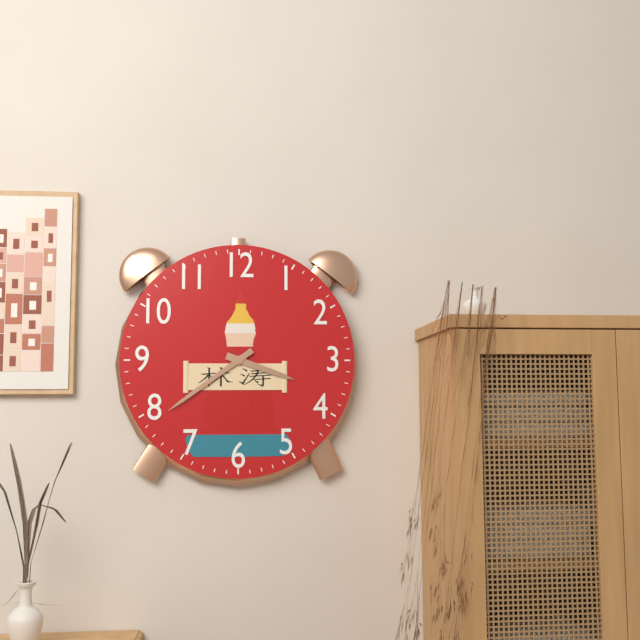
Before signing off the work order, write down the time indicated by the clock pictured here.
3:39
